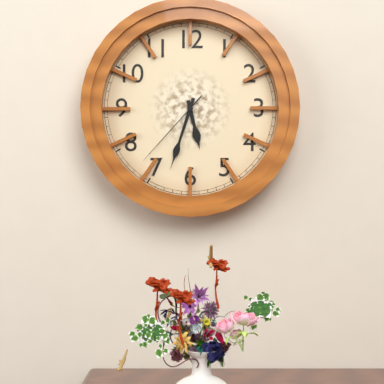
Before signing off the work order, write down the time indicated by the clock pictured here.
5:33:37
